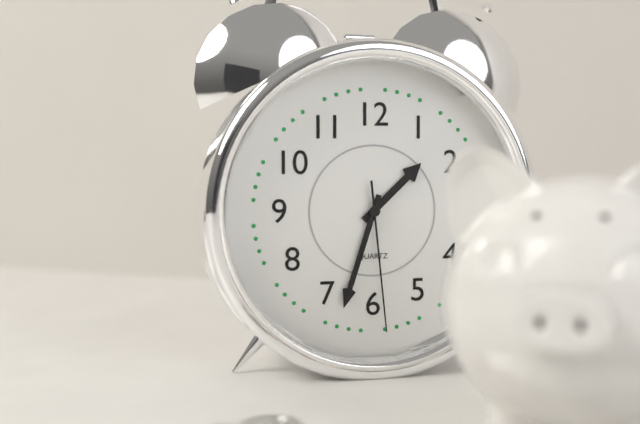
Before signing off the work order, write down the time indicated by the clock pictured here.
1:33:29
